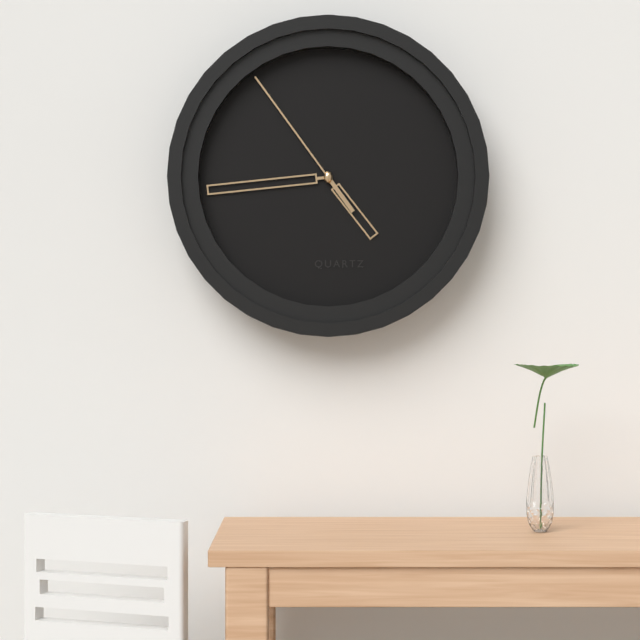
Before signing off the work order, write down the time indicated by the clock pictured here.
4:44:54
